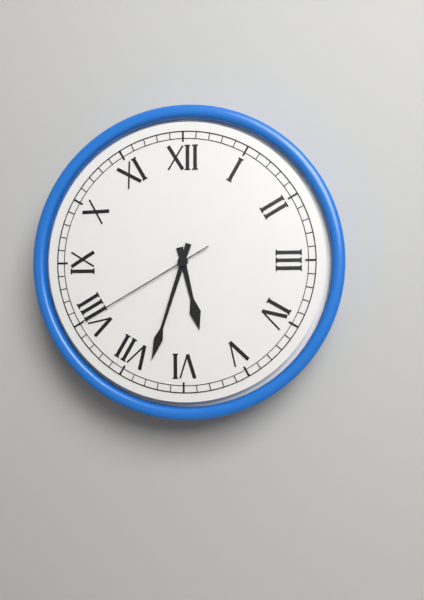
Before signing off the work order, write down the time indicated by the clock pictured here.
5:33:40
